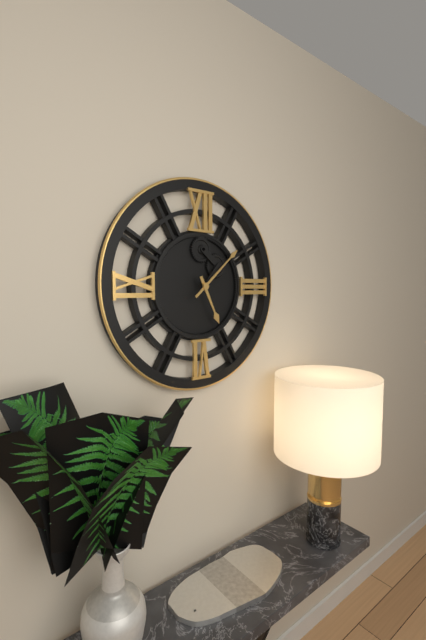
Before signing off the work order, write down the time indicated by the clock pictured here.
5:08
